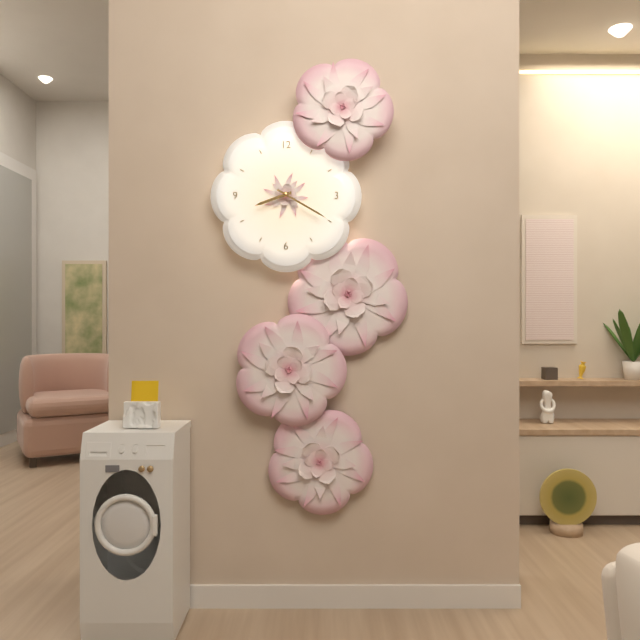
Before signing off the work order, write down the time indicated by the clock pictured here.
8:20
